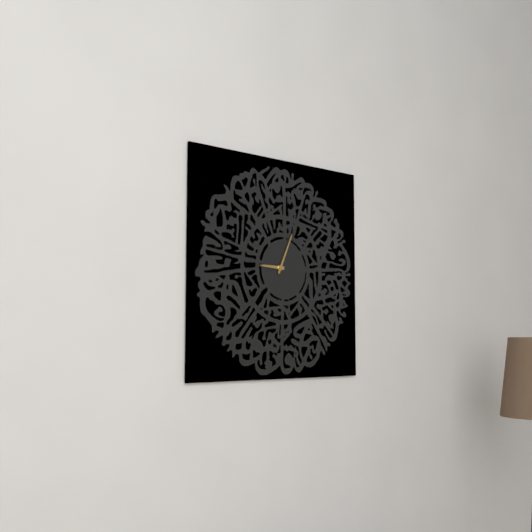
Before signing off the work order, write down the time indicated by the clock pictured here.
9:04
